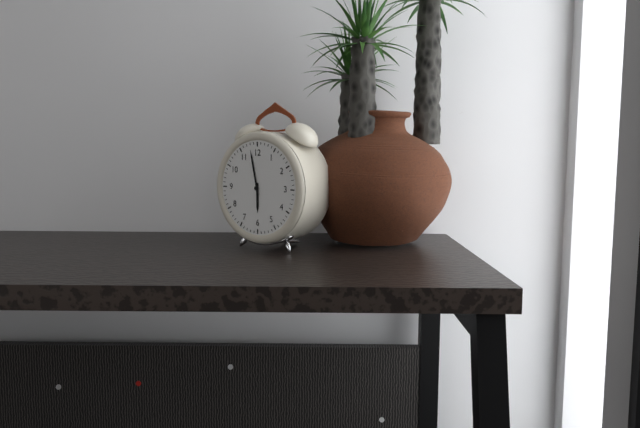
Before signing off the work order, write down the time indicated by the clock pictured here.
5:58
